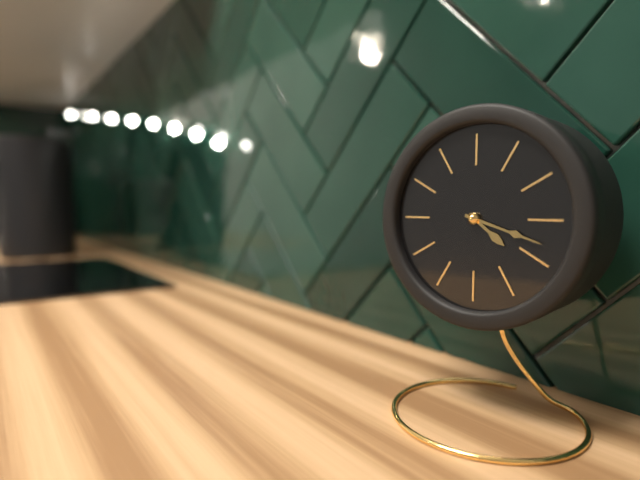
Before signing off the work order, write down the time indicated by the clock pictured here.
4:18
